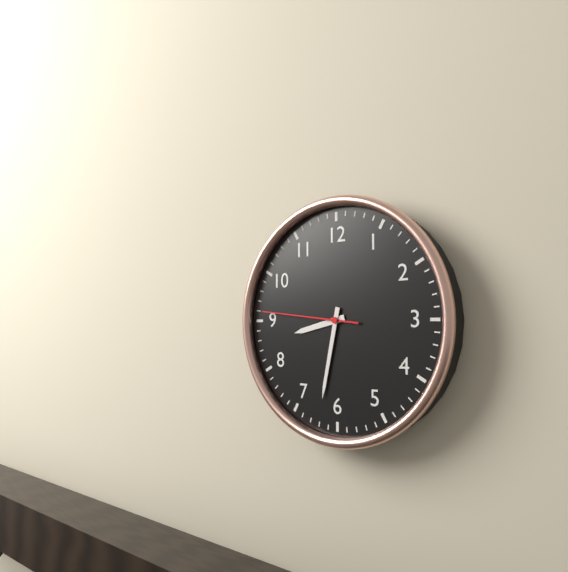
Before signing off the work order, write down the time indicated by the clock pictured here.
8:32:46
